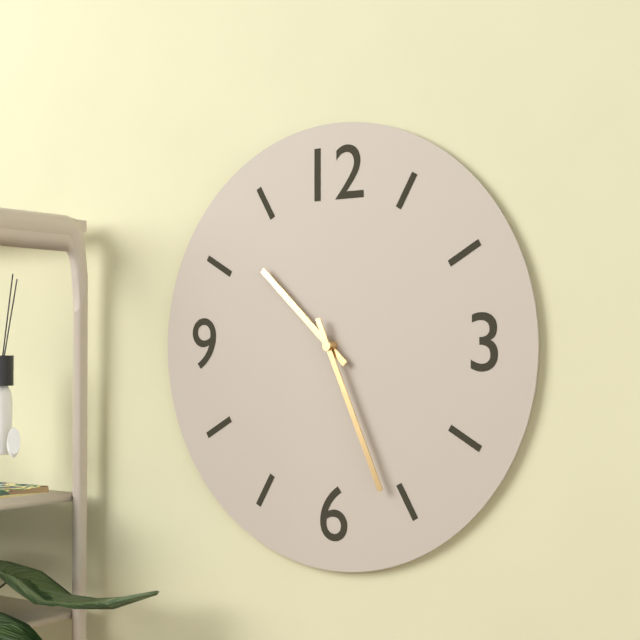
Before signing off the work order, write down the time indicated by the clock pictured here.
10:26
